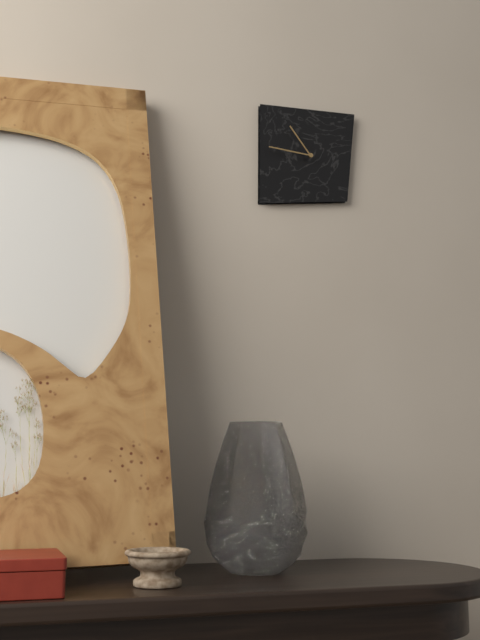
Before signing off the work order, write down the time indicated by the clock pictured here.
10:46
